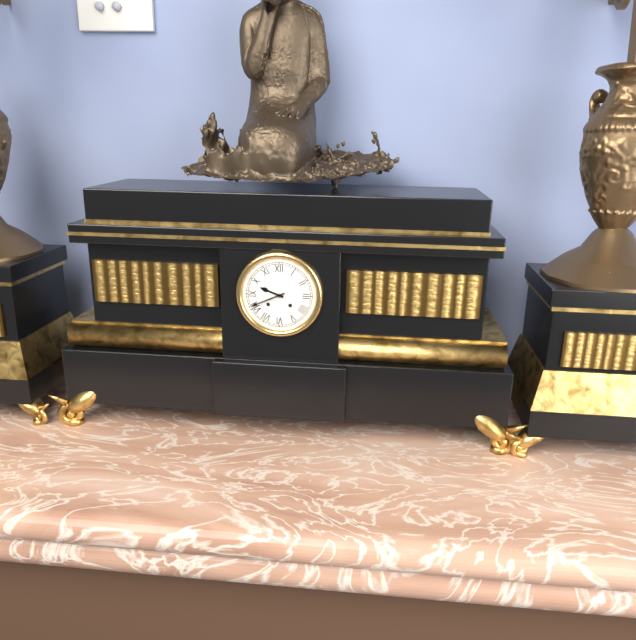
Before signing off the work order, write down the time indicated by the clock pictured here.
9:41
